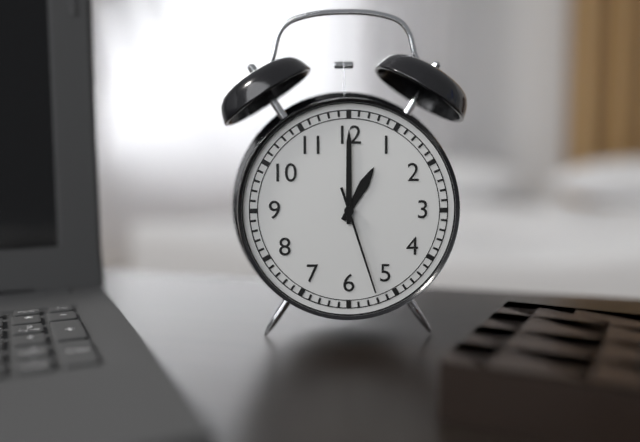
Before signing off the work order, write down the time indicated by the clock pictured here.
1:00:27
